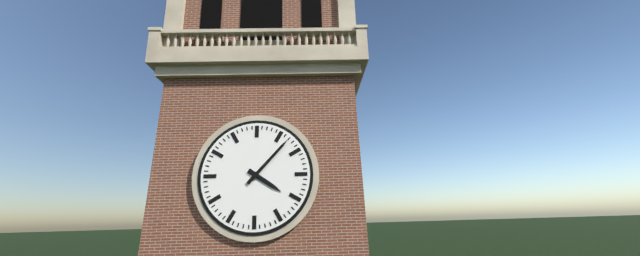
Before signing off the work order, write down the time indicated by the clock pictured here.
4:07
